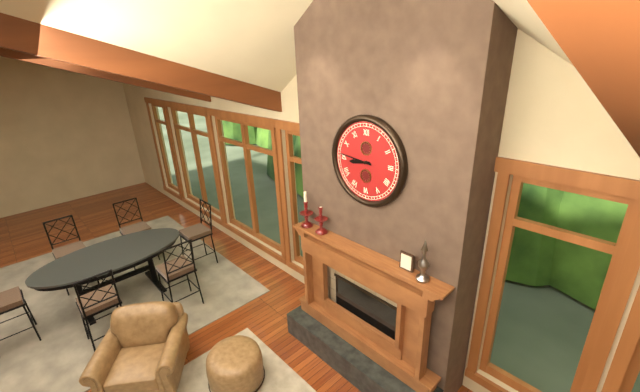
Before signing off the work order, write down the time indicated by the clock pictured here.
8:46
